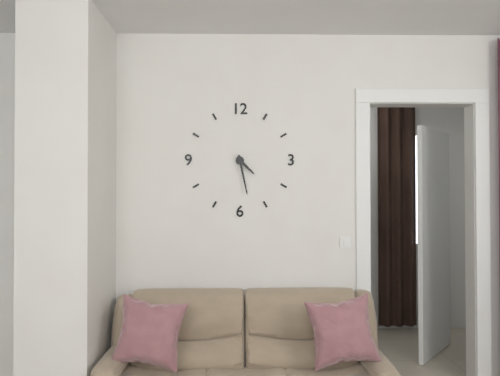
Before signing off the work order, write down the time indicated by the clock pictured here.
4:28
